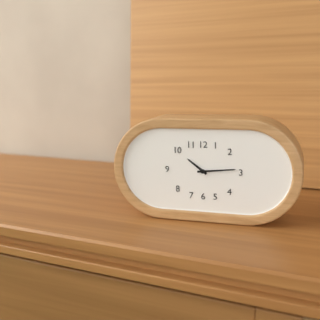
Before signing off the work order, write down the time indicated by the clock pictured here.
10:14
